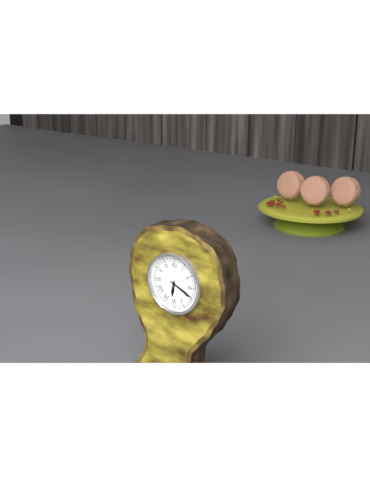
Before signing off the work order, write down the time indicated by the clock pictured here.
6:19
